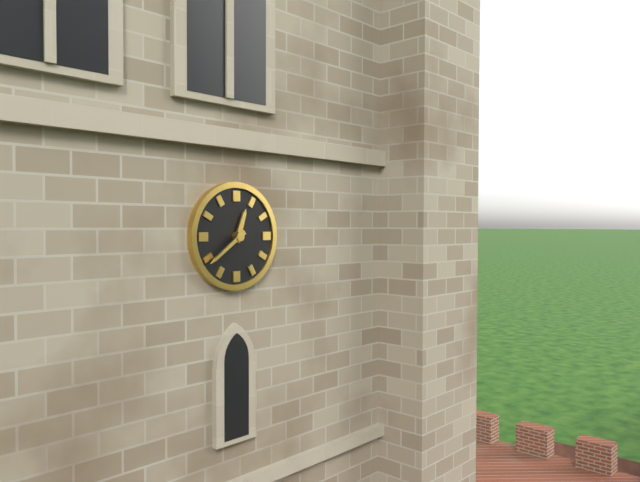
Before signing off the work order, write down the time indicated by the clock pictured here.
12:39
